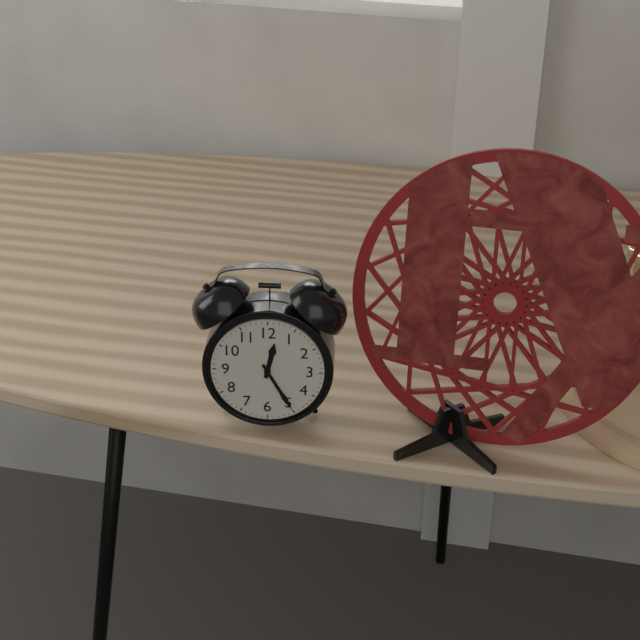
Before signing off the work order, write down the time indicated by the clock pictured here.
12:25
